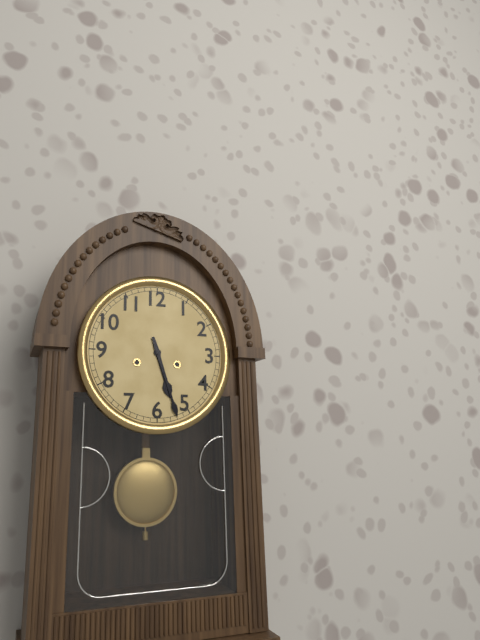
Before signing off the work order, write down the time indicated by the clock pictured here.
5:27
